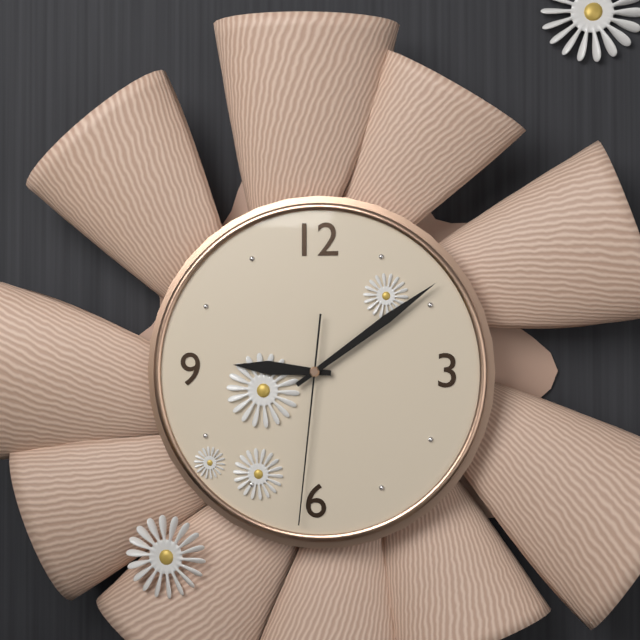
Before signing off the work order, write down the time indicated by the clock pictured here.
9:09:31
